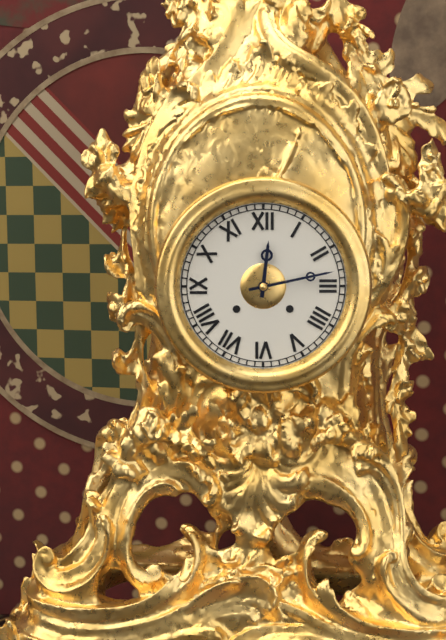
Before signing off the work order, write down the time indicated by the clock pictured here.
12:13
